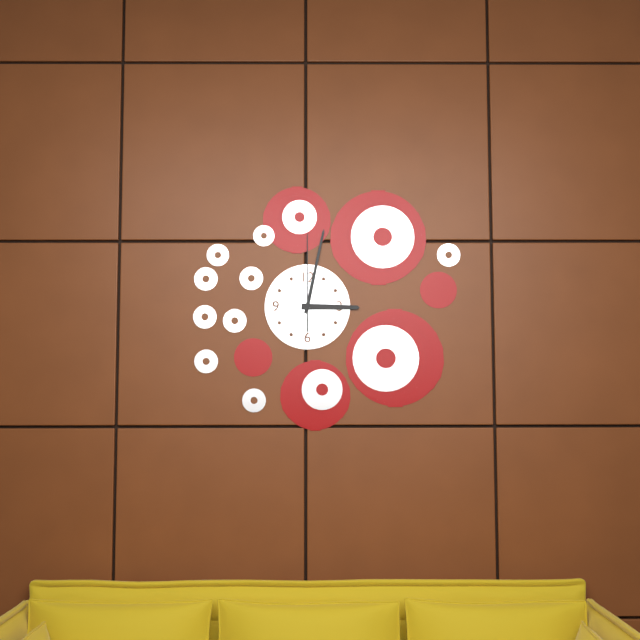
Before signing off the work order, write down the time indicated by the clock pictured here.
3:02:00
